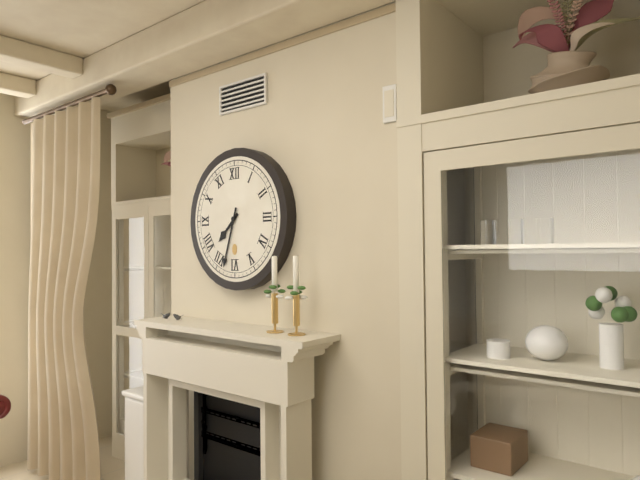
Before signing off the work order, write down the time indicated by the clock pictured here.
7:33
